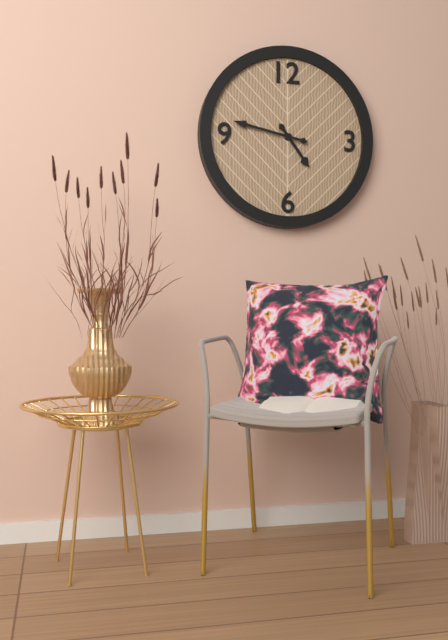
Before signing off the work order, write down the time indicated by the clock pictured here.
4:47
